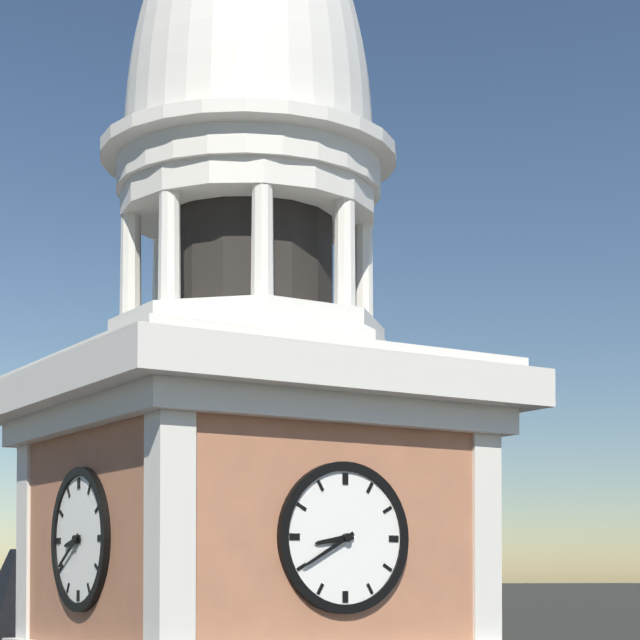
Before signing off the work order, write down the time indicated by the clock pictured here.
8:40
